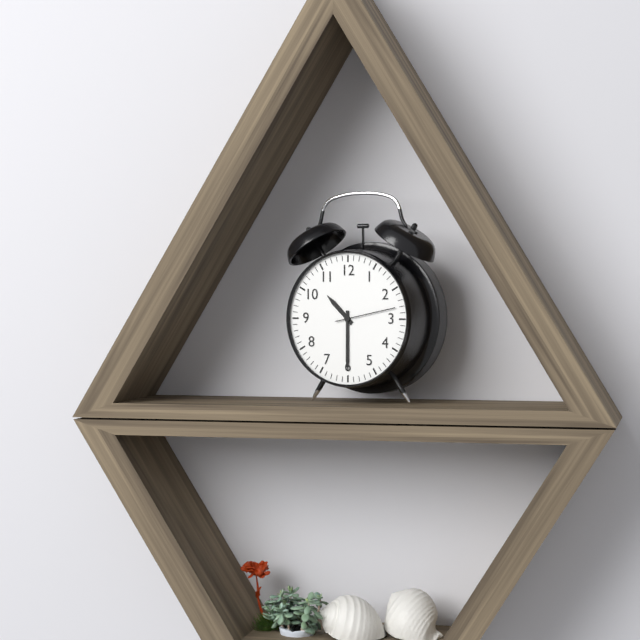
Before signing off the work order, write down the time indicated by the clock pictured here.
10:30:13
